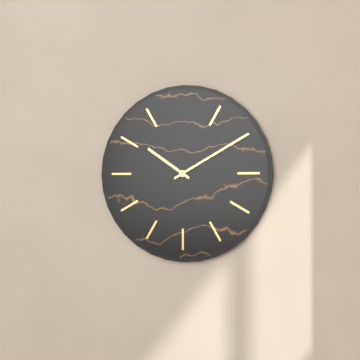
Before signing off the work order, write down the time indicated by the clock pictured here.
10:10
